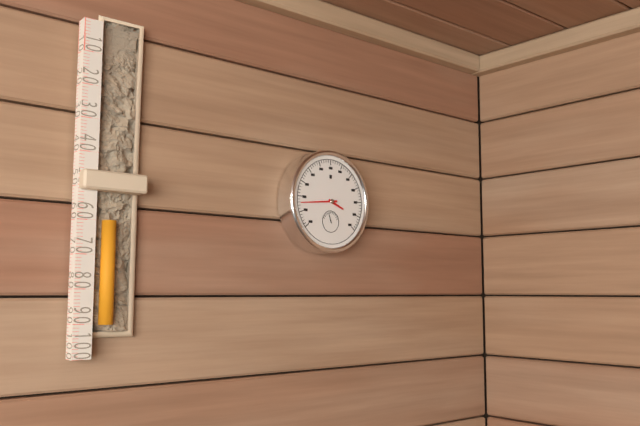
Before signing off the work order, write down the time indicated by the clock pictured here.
3:44
